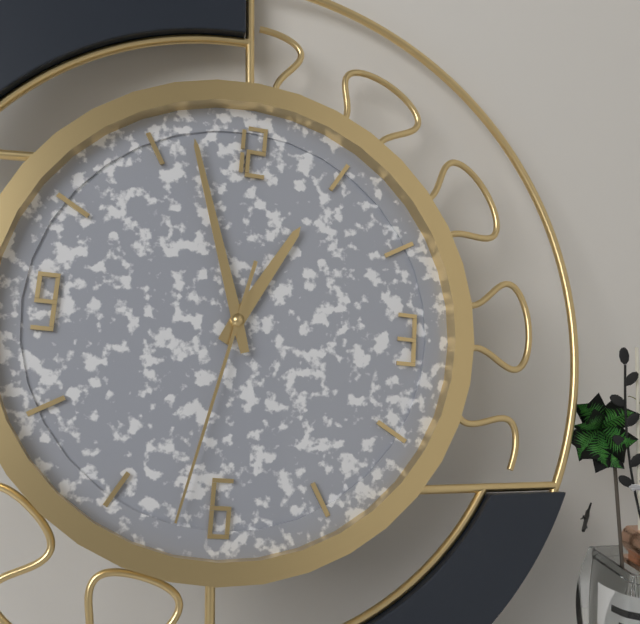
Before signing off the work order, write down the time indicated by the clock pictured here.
12:57:32
